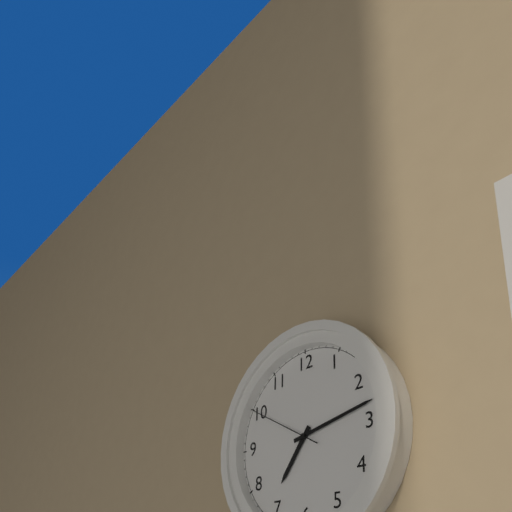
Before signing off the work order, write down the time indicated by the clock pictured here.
7:13:50
